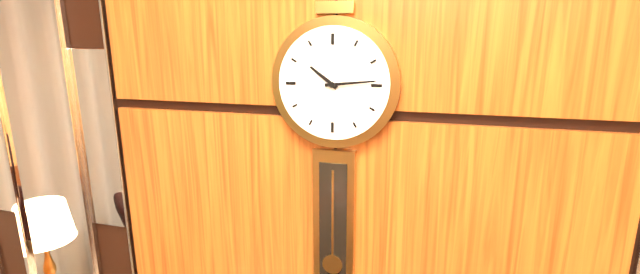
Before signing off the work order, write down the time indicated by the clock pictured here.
10:14
